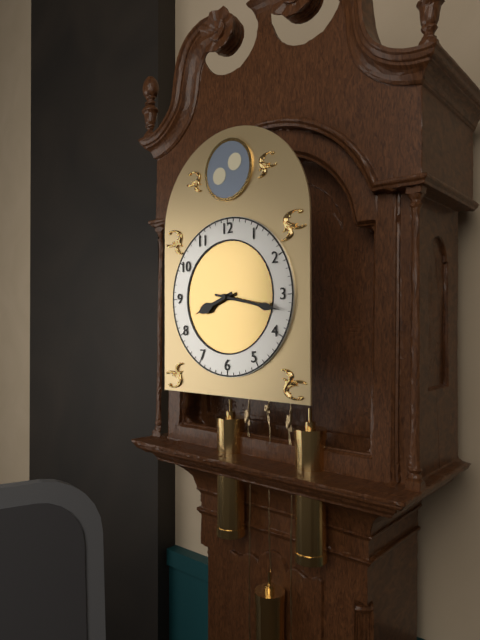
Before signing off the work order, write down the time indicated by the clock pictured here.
8:17
